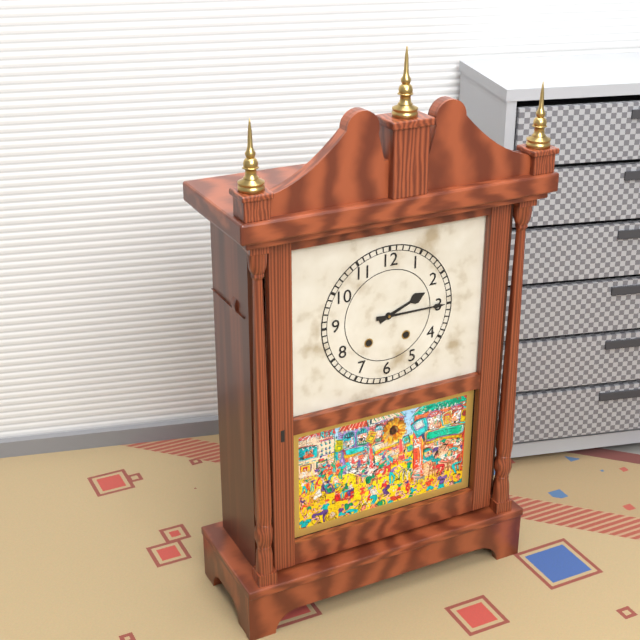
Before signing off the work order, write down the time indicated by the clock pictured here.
2:15
